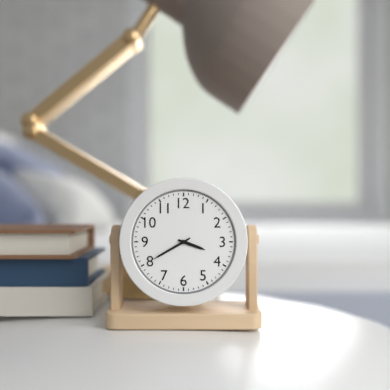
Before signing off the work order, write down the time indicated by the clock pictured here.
3:40
